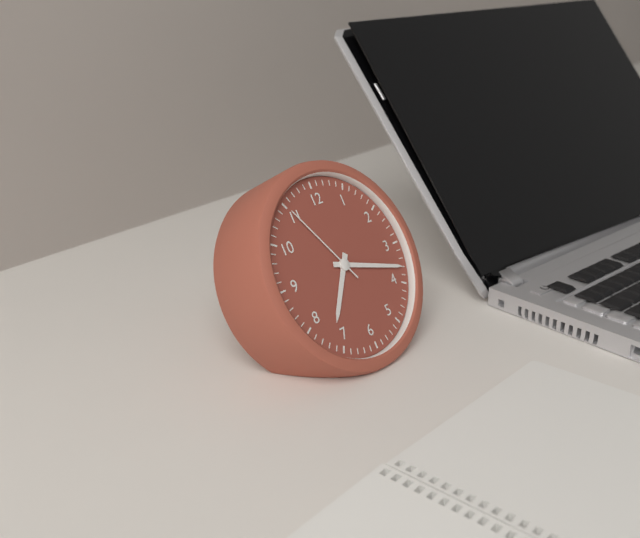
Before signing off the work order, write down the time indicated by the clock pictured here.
7:18:55
